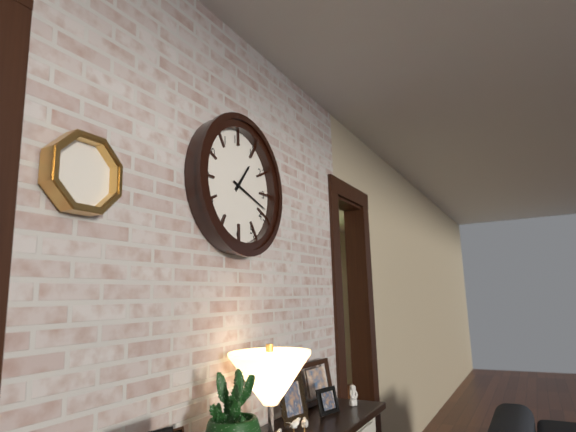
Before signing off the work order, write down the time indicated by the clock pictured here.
1:18
